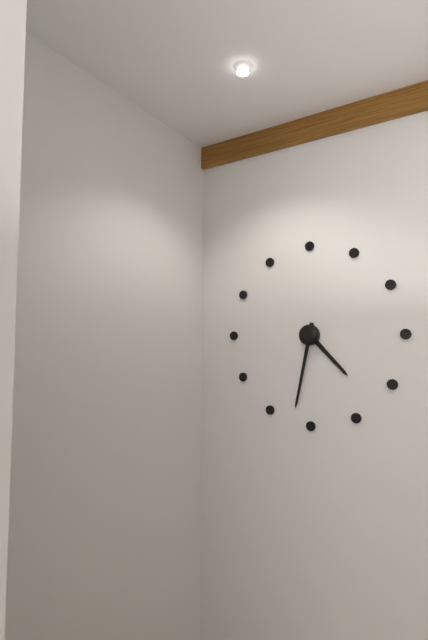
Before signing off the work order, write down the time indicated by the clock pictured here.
4:32
